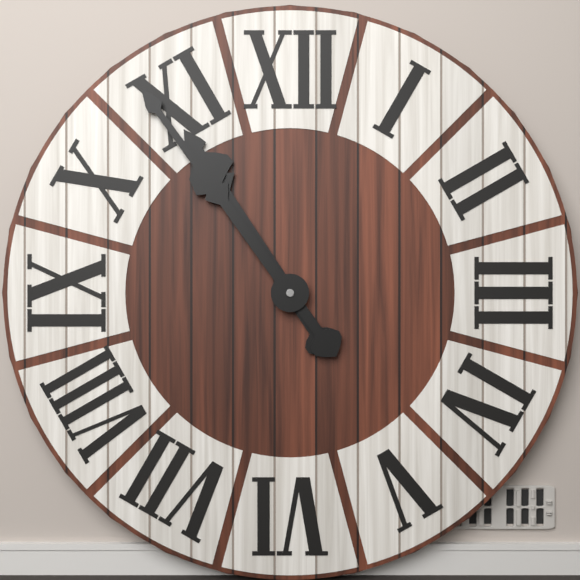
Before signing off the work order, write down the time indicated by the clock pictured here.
10:54
